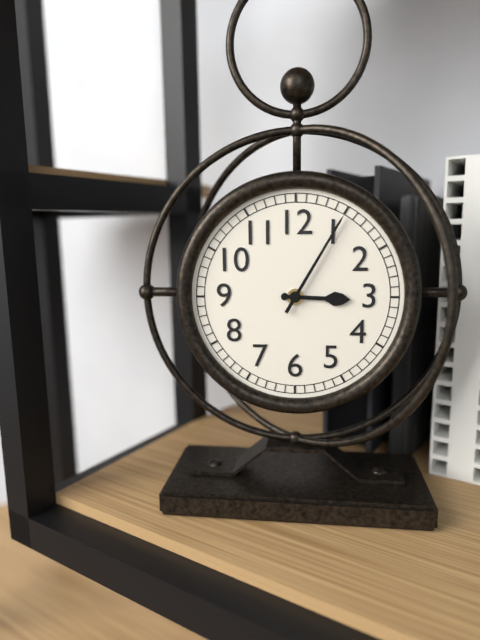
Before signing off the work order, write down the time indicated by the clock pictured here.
3:05
